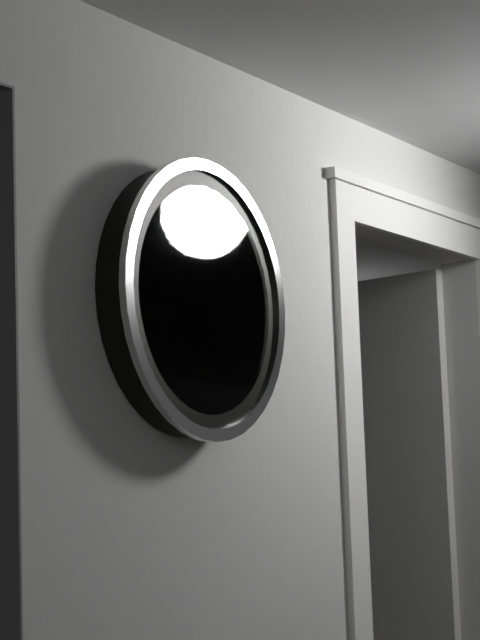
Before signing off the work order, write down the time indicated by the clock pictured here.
6:34
